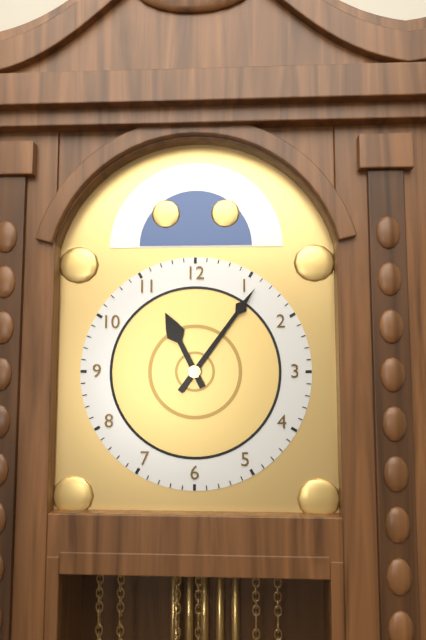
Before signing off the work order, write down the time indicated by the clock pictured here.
11:06
